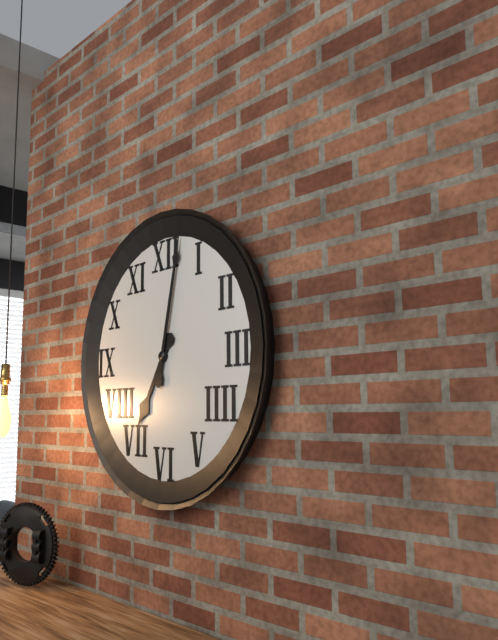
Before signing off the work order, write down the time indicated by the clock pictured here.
7:02
